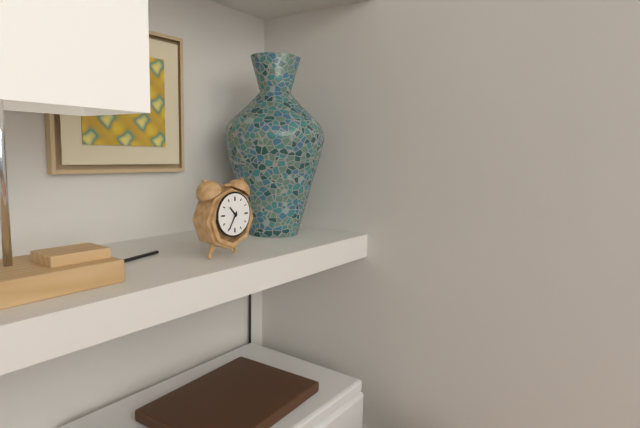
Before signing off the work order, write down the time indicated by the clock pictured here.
10:35
